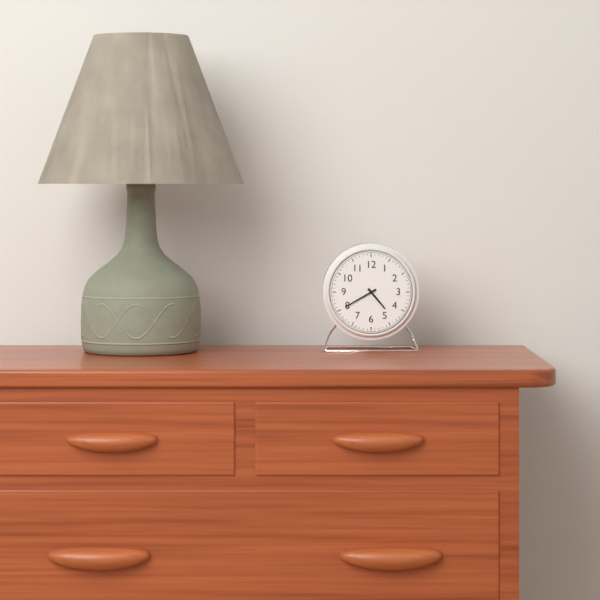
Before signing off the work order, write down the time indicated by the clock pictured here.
4:40
